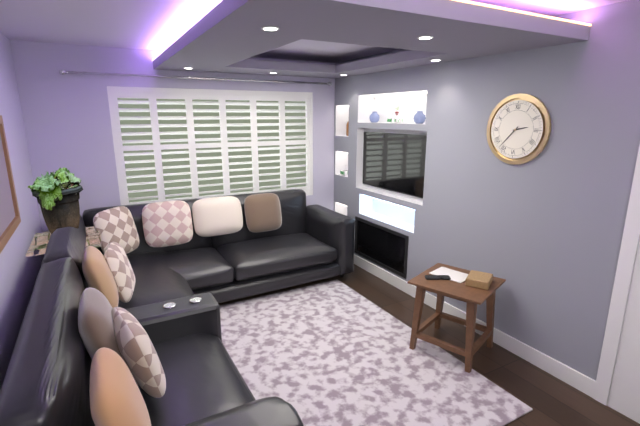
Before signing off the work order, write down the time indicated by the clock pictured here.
2:37
